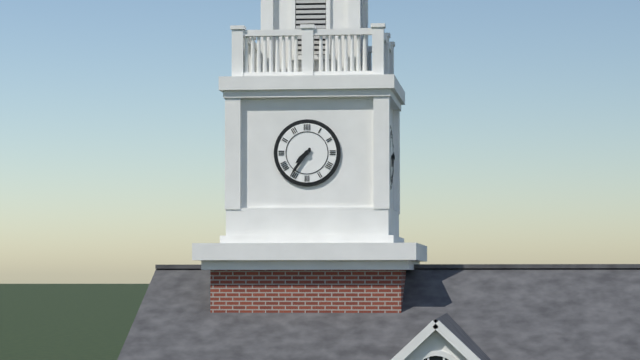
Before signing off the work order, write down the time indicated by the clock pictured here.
7:36
